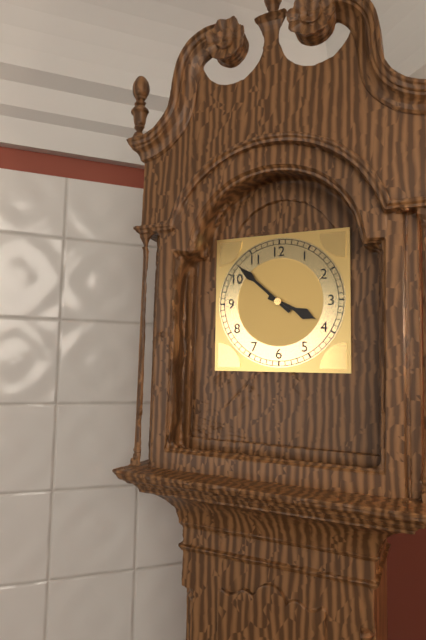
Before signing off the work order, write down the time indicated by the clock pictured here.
3:52
